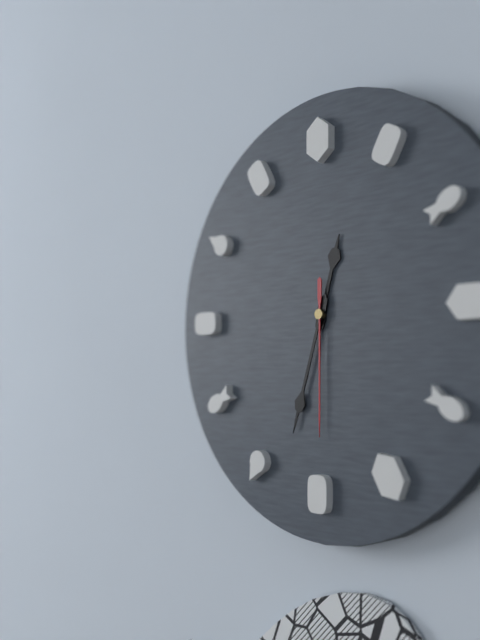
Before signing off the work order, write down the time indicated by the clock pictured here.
12:33:30
